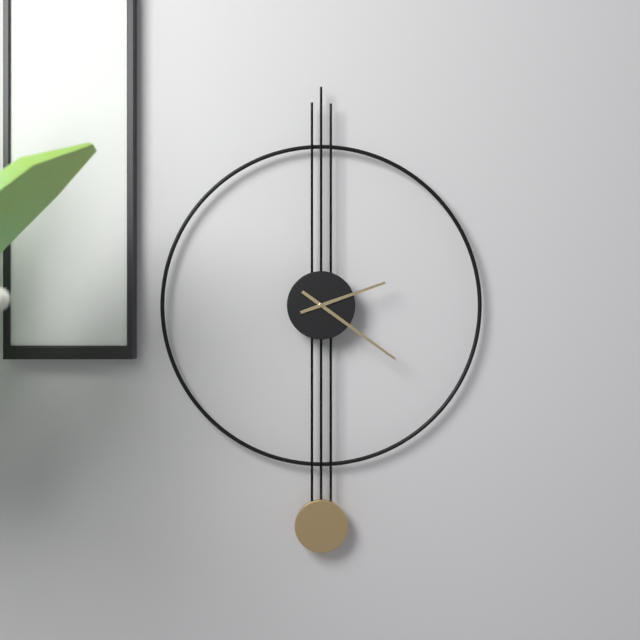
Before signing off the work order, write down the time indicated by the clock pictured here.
2:21
